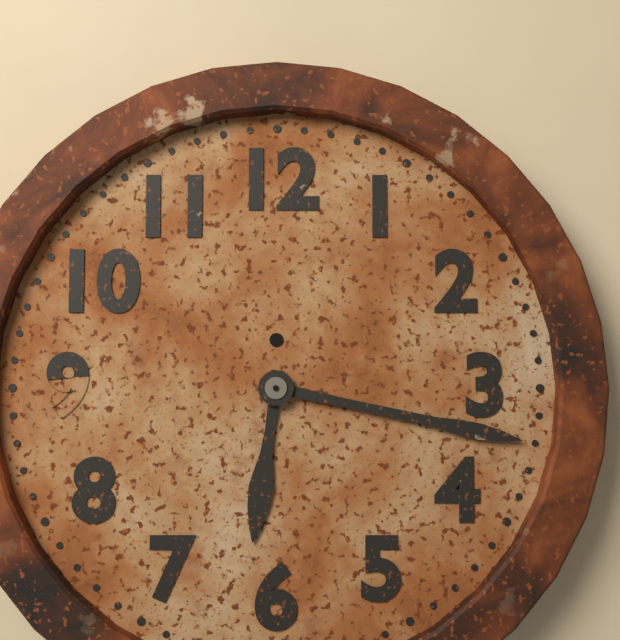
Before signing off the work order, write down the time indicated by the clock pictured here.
6:17
